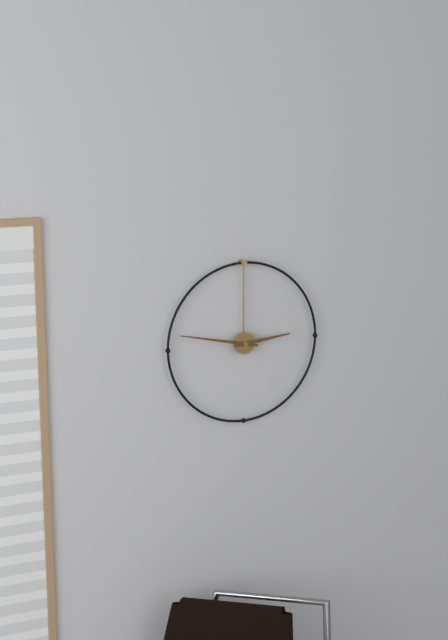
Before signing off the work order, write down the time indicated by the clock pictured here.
2:47
